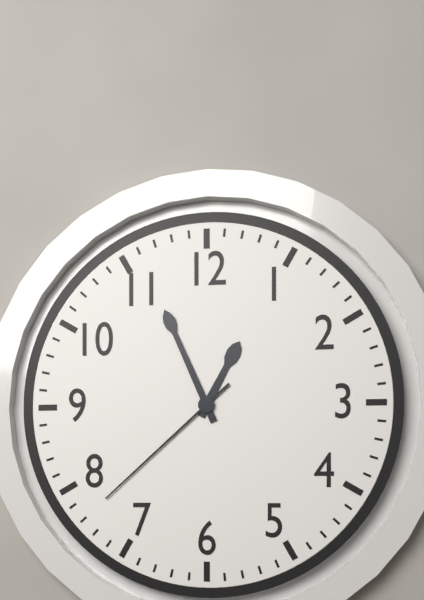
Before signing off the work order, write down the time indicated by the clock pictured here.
12:56:38
